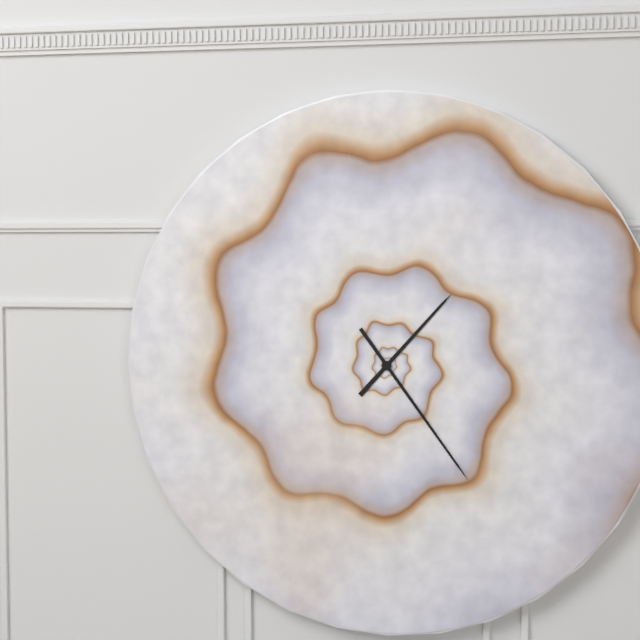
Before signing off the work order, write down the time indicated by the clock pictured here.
1:24
